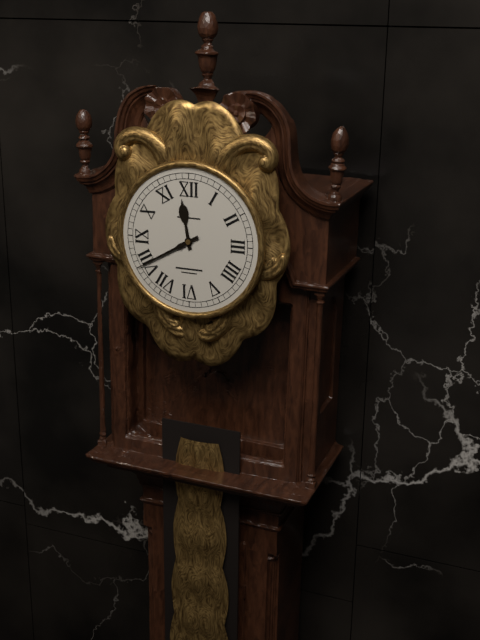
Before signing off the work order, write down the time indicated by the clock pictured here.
11:40
